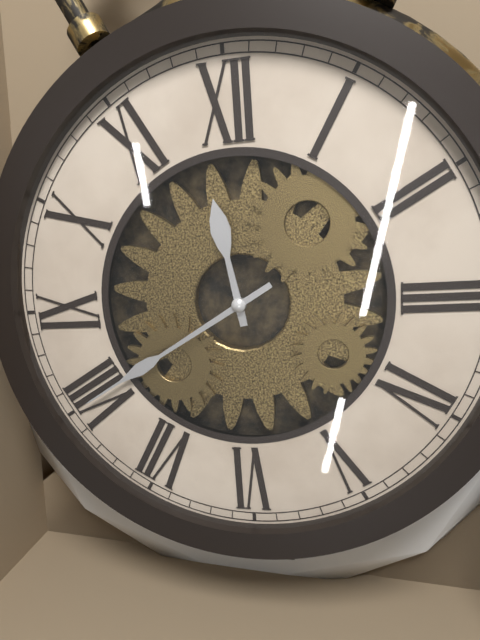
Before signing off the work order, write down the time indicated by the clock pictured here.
11:40
